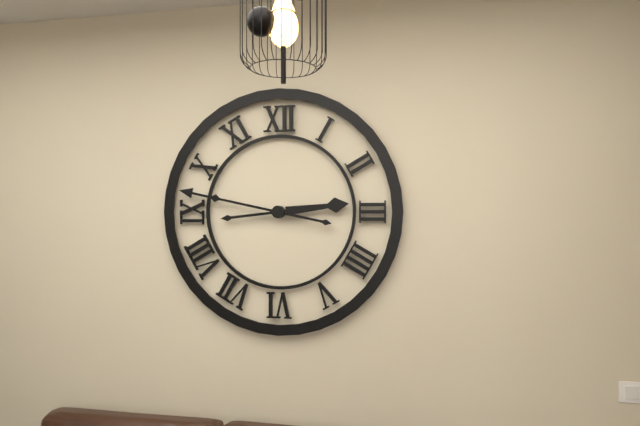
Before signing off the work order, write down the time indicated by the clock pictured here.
2:47
